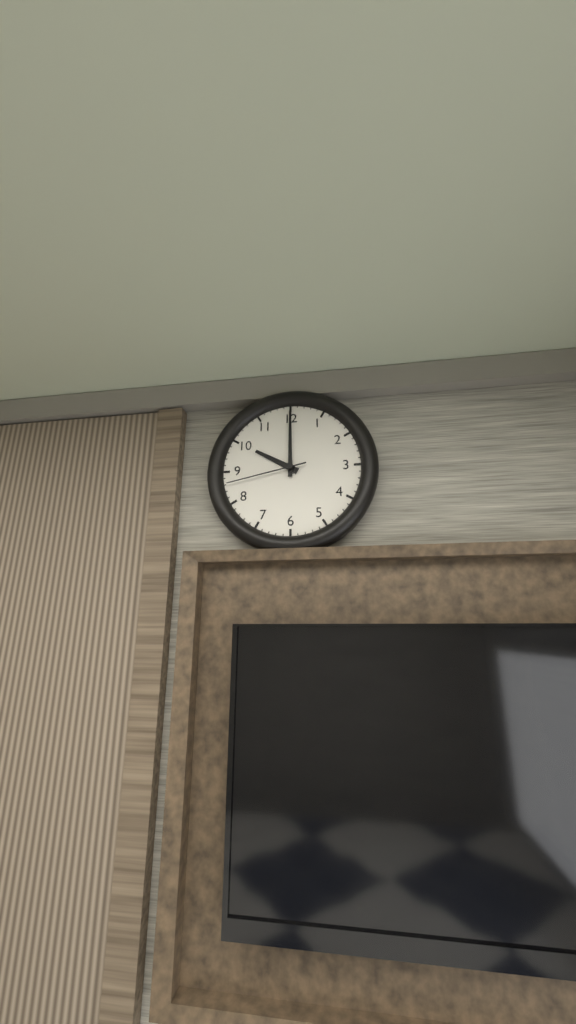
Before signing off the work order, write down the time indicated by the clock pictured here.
10:00:43
